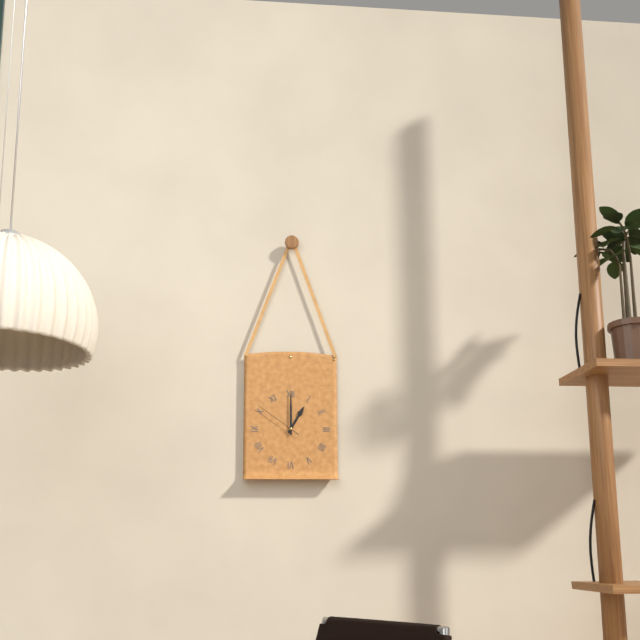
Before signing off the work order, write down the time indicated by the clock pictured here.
1:00:51
